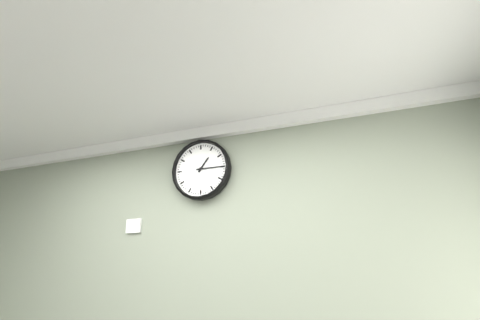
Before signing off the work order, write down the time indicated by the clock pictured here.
1:15
